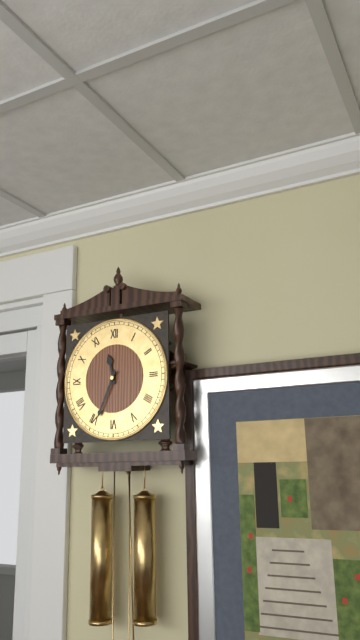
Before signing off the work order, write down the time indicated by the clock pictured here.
11:34
